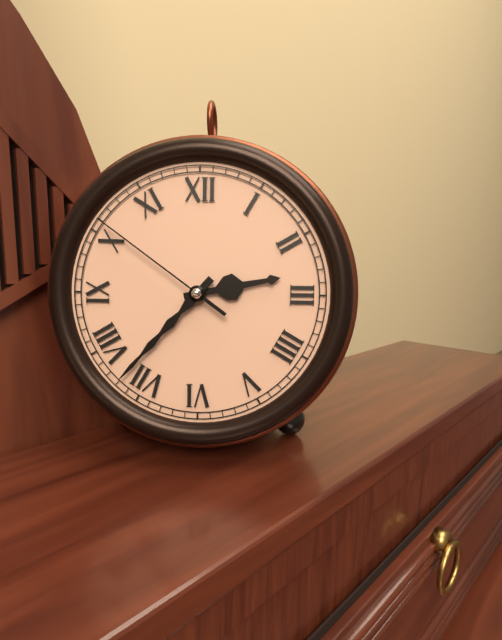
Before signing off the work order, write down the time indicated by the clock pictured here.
2:37:51
